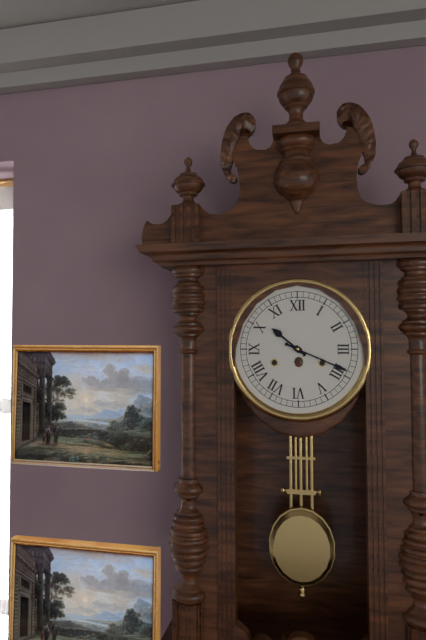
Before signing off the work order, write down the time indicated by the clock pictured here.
10:19
